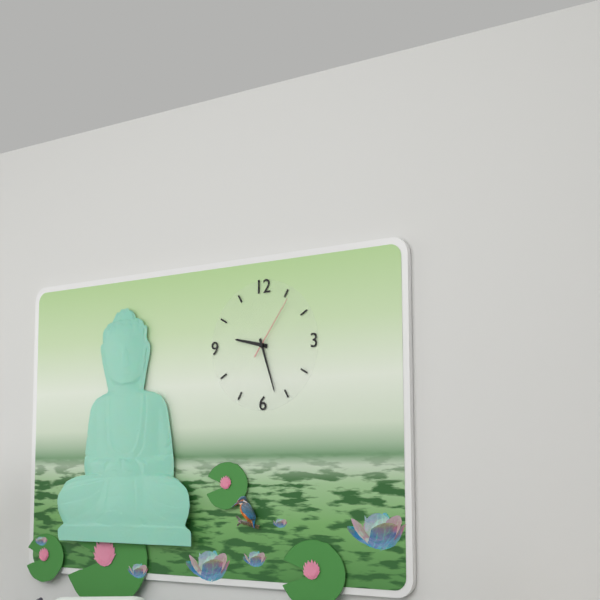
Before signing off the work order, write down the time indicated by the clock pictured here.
9:27:06
